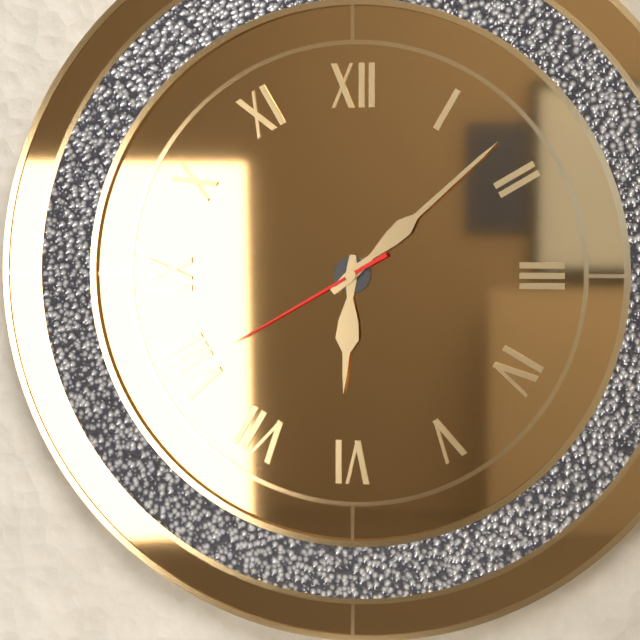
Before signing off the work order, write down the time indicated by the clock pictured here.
6:08:40
